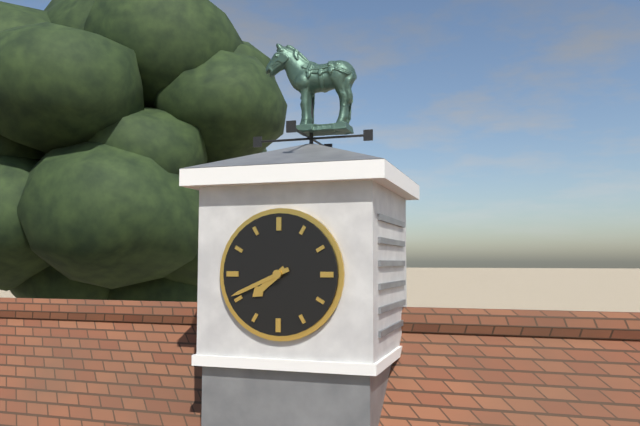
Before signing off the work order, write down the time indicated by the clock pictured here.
7:41
